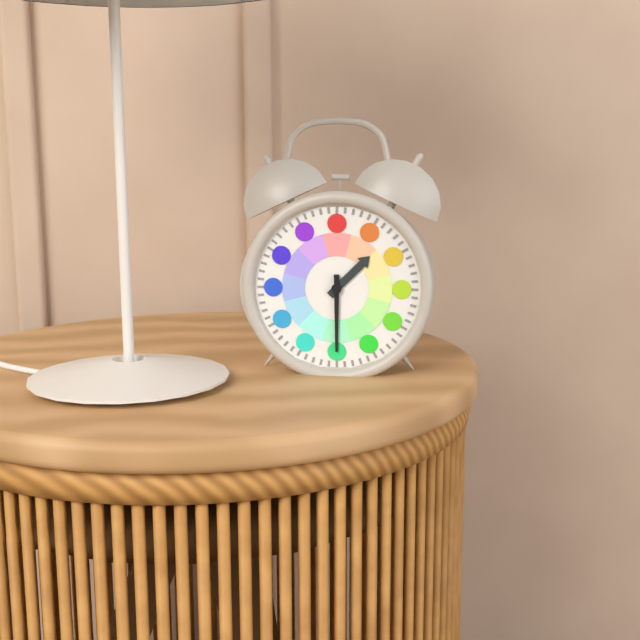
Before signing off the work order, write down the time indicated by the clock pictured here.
1:30
